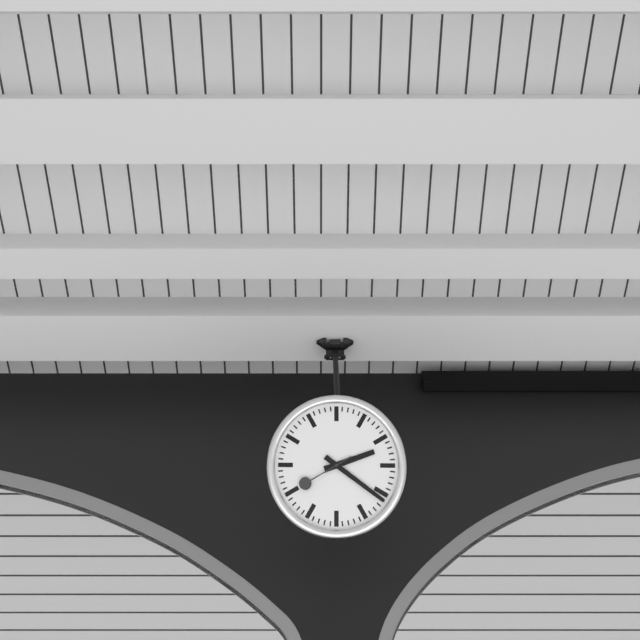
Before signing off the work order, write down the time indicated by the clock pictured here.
2:21:40
